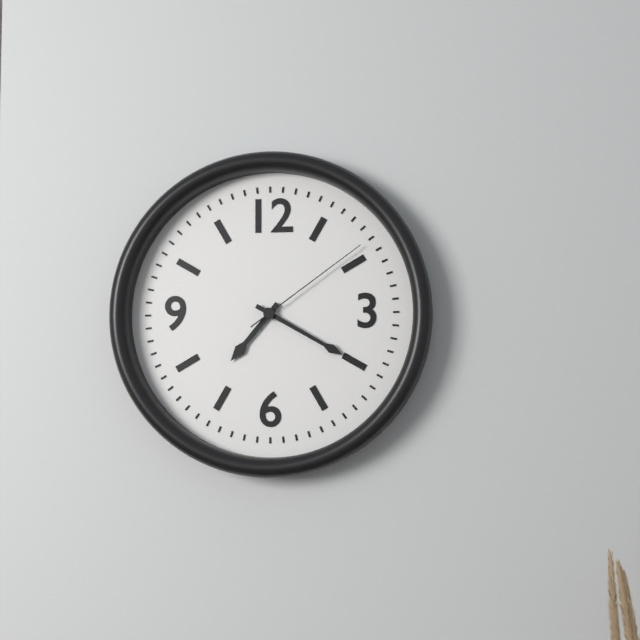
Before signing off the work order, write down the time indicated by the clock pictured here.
7:20:09
